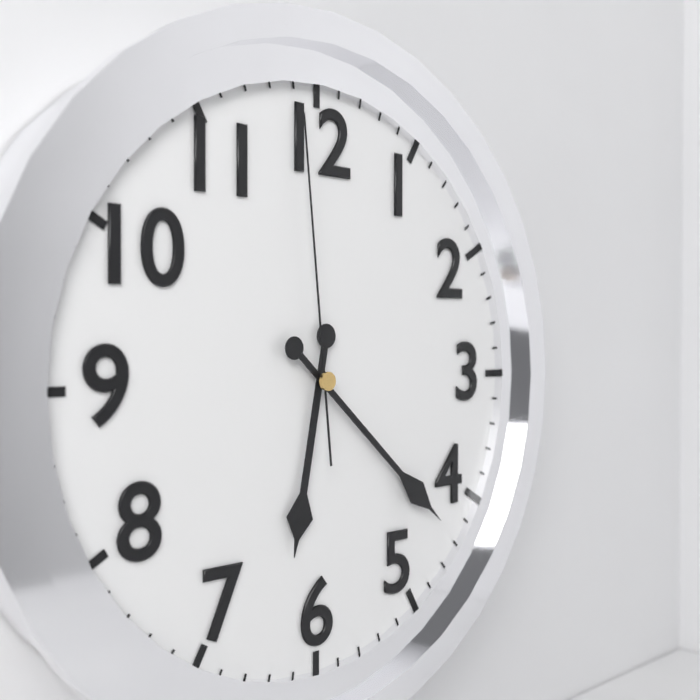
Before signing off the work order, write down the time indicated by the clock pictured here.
6:22:59
